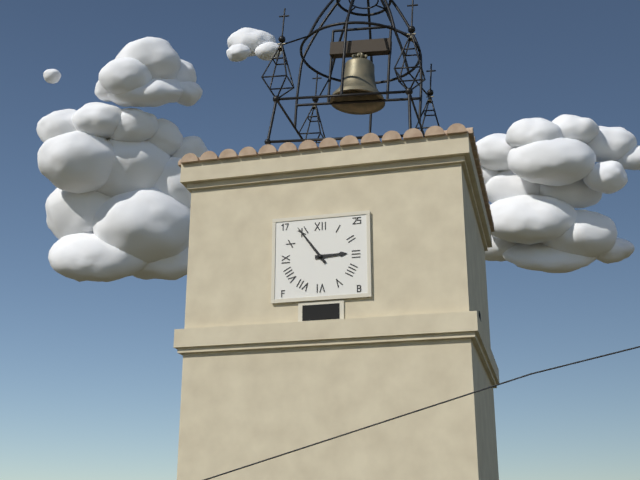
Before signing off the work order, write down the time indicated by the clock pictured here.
2:54
